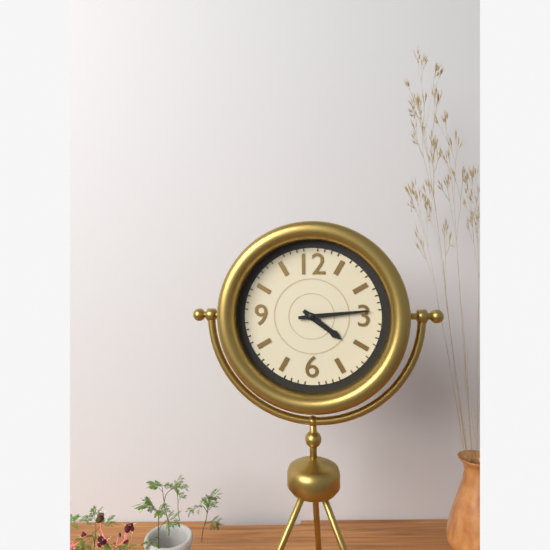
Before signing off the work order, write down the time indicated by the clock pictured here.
4:14
